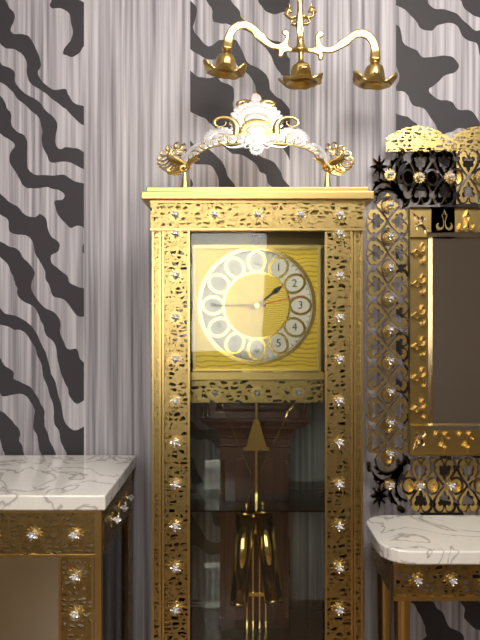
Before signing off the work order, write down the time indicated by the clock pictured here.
1:45:13
